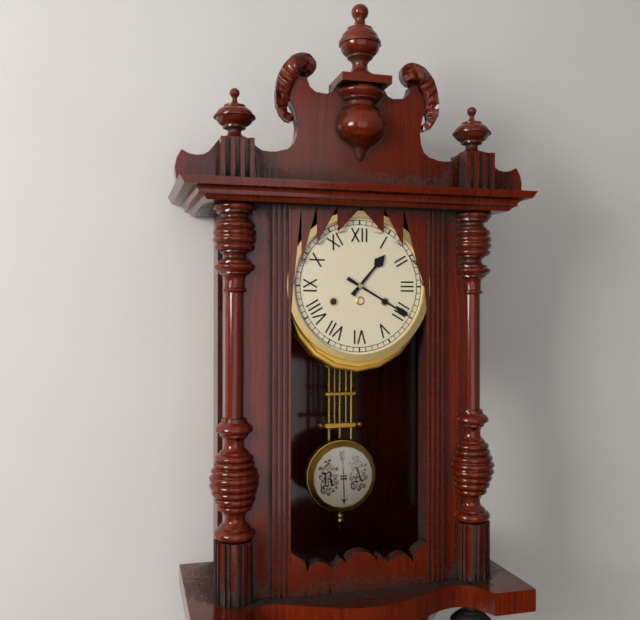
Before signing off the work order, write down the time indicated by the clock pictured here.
1:20
